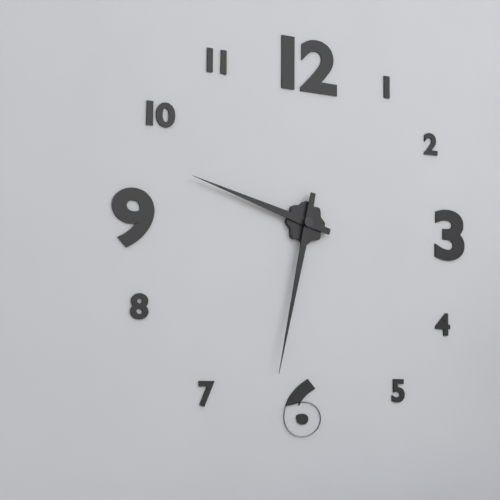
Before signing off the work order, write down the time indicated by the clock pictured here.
9:32
